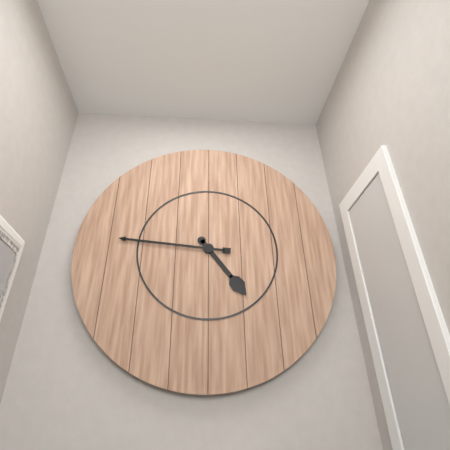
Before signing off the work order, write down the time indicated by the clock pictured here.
4:46
